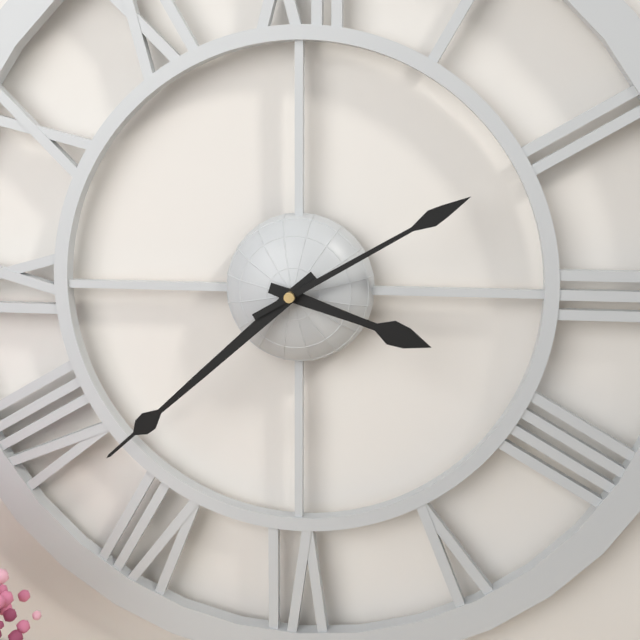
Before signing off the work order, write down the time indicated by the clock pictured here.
3:38:10
